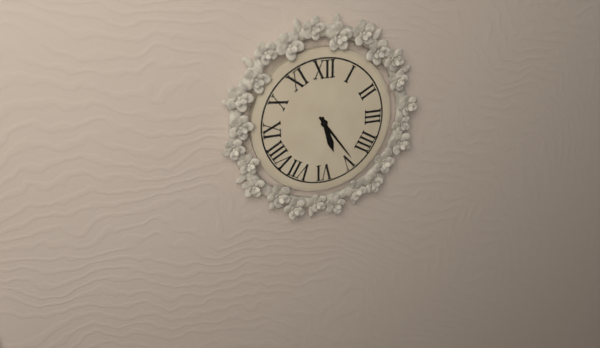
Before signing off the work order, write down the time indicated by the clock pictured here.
5:24
